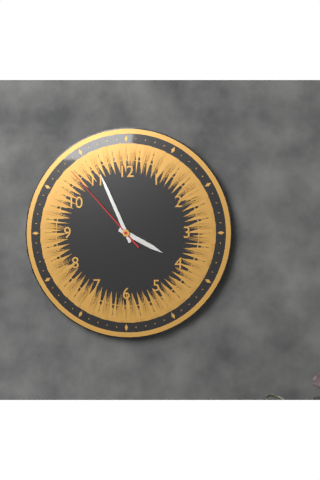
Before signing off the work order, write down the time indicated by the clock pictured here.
3:56:53
